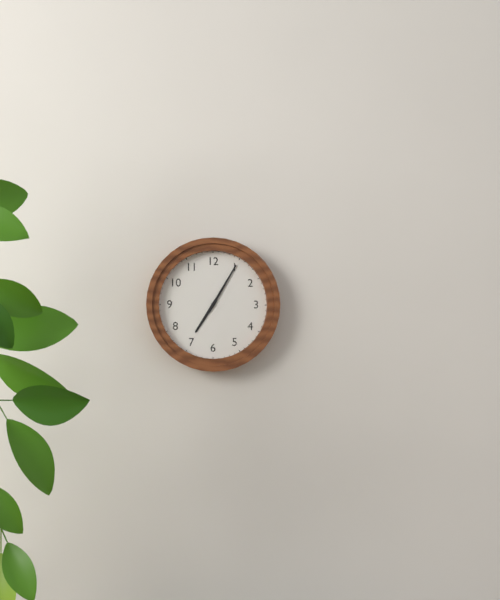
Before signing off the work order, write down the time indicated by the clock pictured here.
7:05
